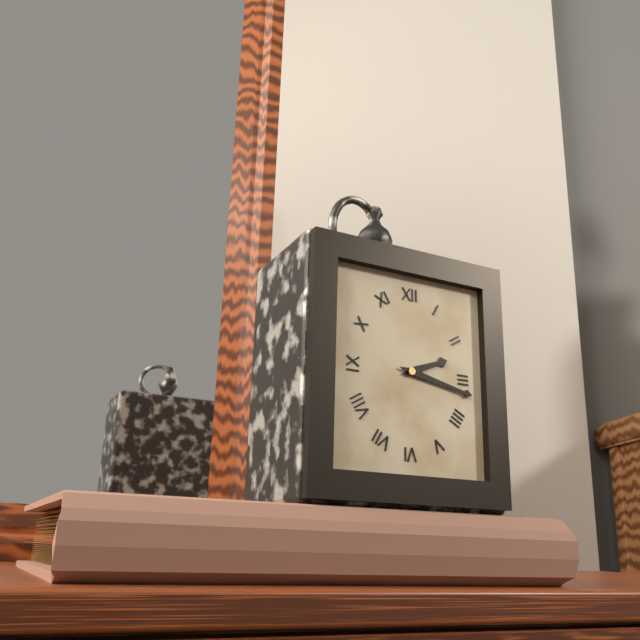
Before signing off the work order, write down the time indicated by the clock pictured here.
2:17
